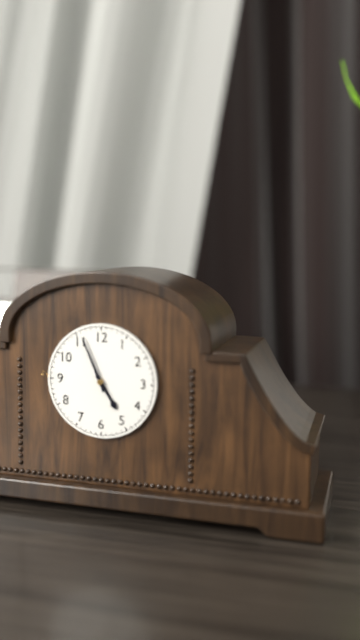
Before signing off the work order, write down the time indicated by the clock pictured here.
4:56
